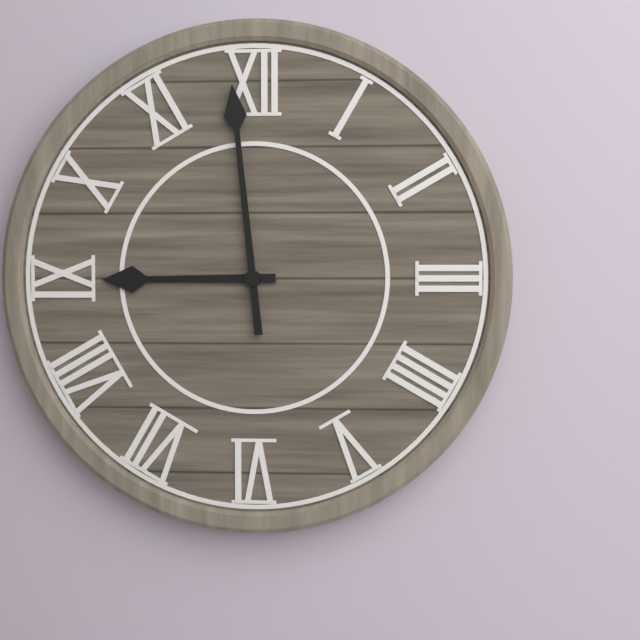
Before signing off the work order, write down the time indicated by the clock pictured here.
8:59
